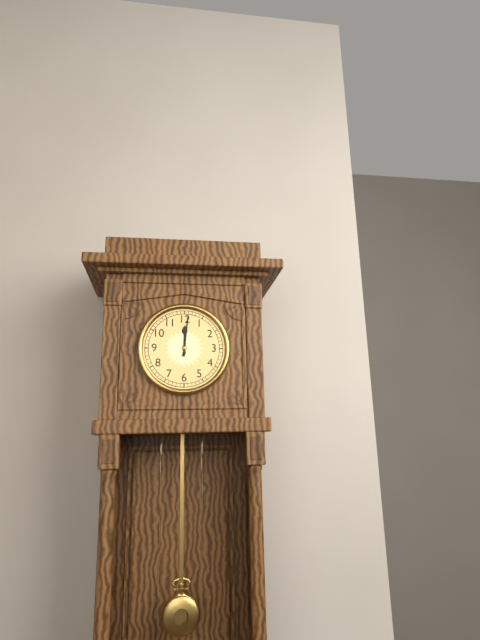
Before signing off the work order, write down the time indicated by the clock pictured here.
12:01
